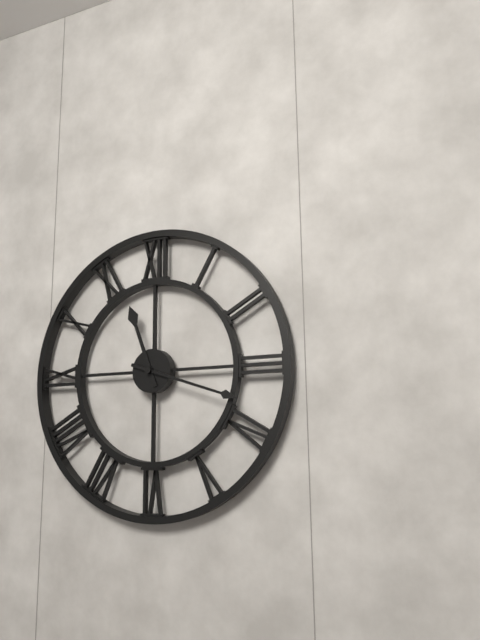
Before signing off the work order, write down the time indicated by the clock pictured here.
11:18
